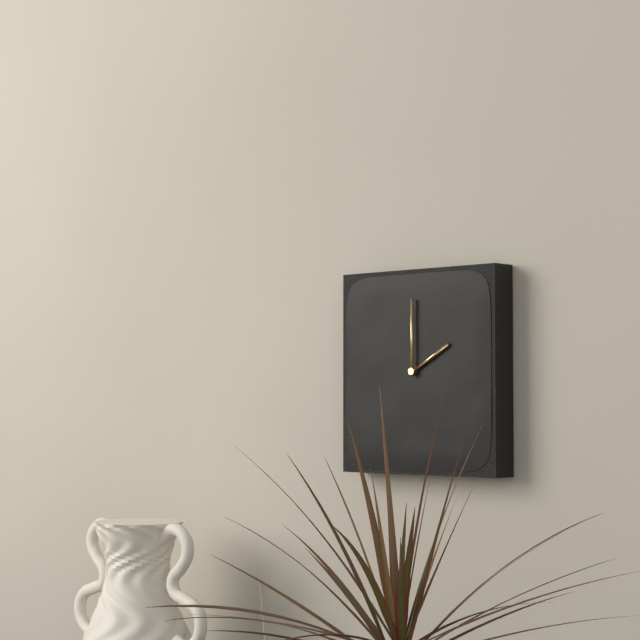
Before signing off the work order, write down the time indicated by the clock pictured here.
2:00
